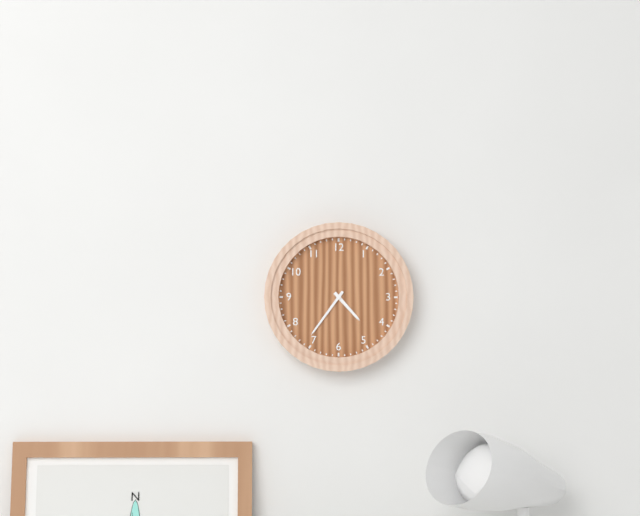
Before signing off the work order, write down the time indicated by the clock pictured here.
4:36
